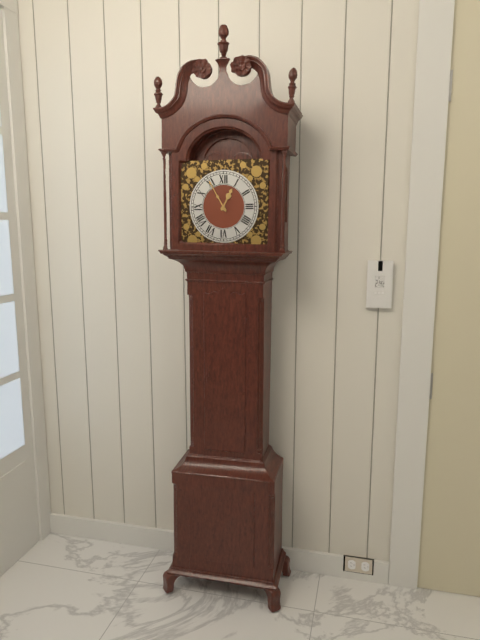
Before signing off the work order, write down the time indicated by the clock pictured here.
12:55
